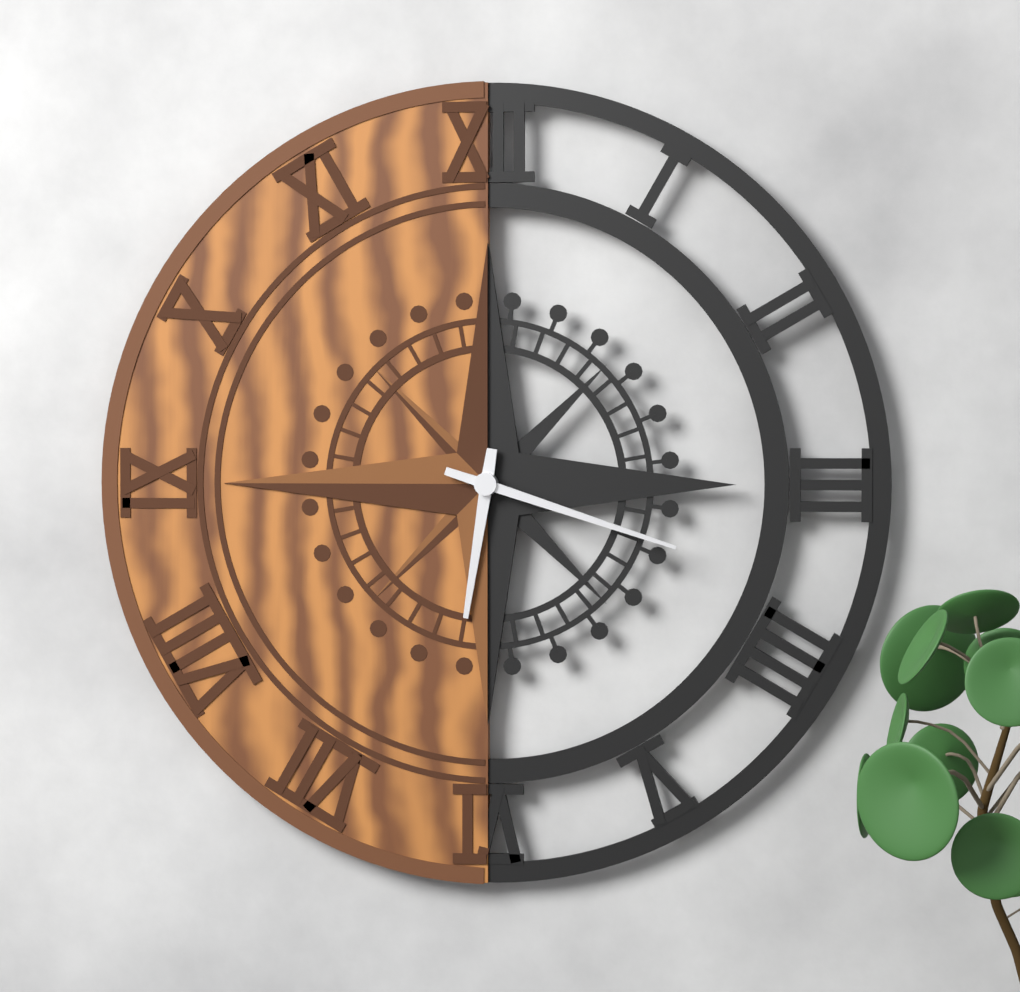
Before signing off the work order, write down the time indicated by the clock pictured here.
6:18
